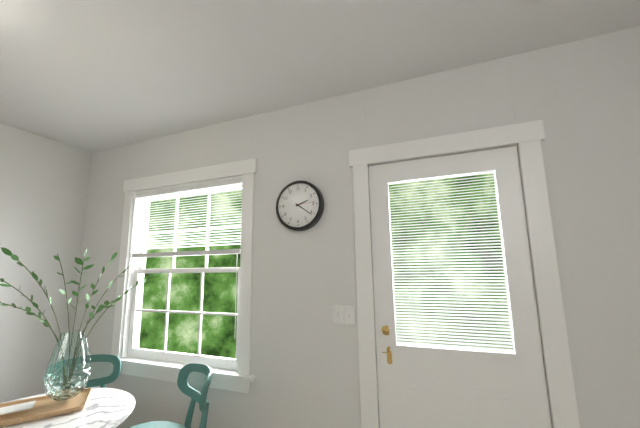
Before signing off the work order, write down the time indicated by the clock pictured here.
2:21
